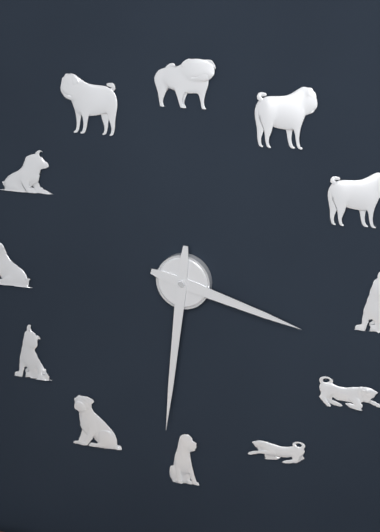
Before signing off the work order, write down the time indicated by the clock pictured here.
3:31
